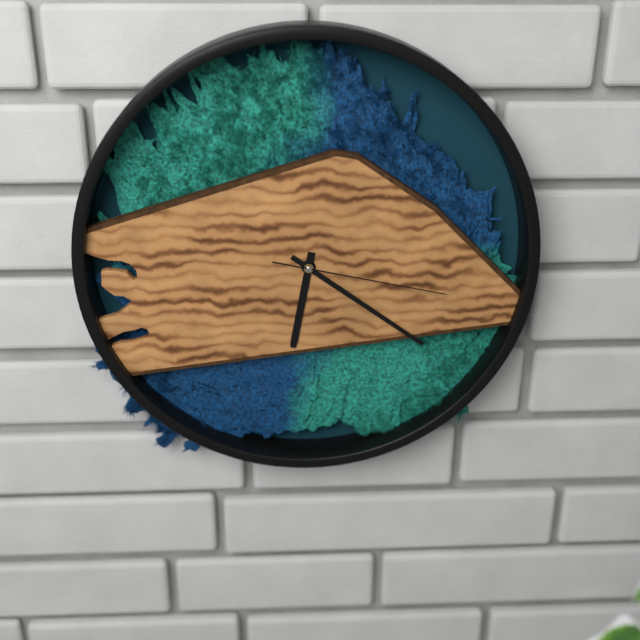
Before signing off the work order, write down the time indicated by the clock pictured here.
6:21:17
